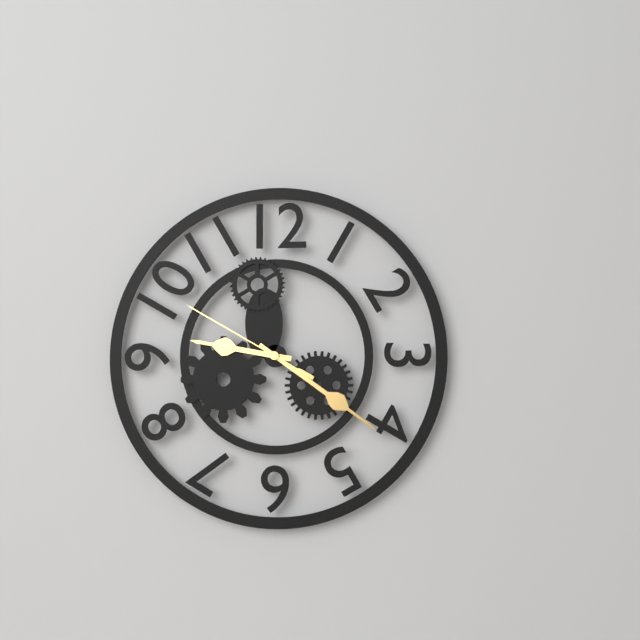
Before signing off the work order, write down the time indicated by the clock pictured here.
9:21:50
